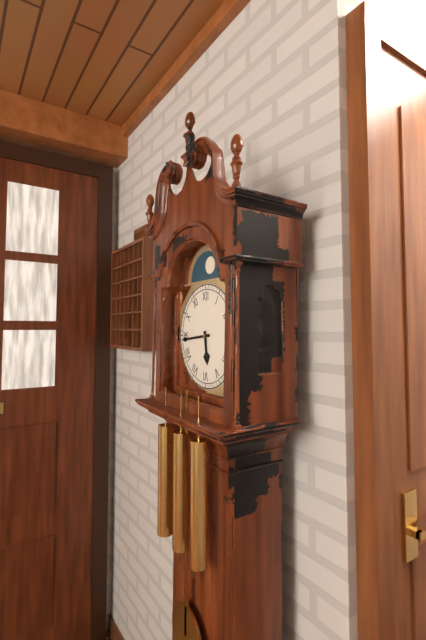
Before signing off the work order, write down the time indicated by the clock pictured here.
5:44
